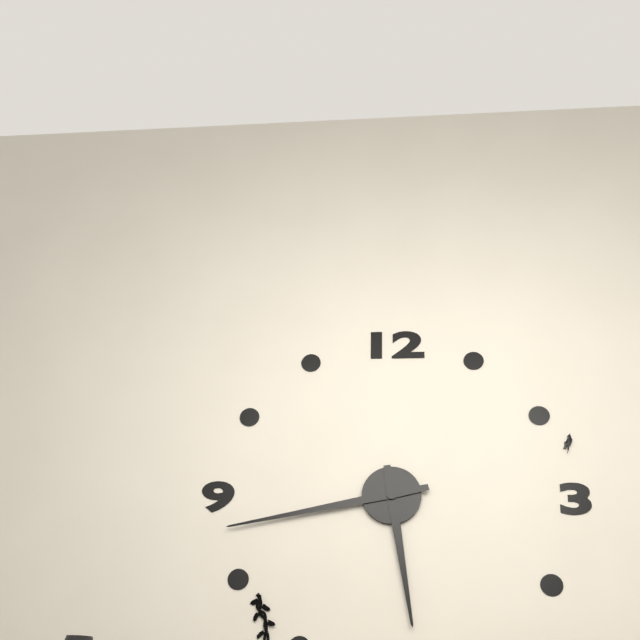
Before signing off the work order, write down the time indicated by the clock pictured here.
5:43
